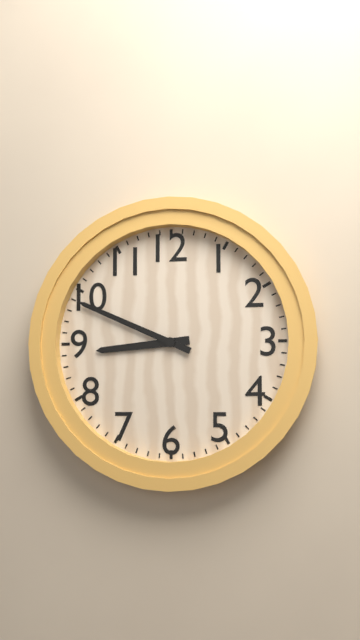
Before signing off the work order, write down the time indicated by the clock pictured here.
8:49
